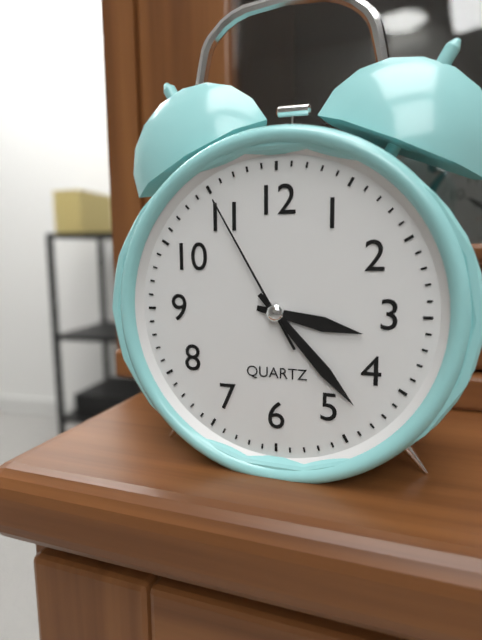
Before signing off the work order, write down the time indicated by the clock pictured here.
3:23:55
